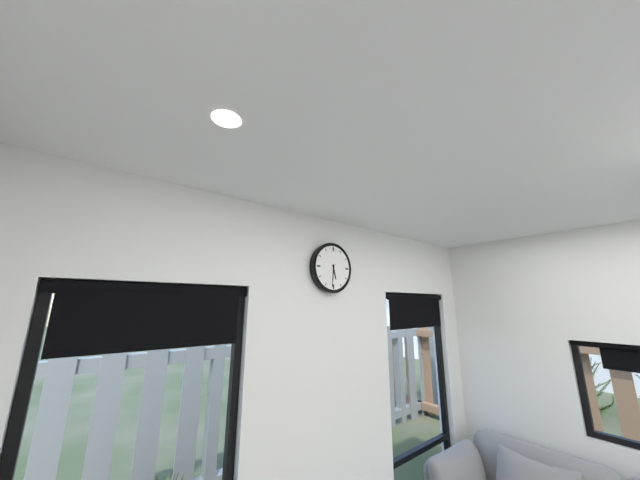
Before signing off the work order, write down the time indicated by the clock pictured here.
5:31
